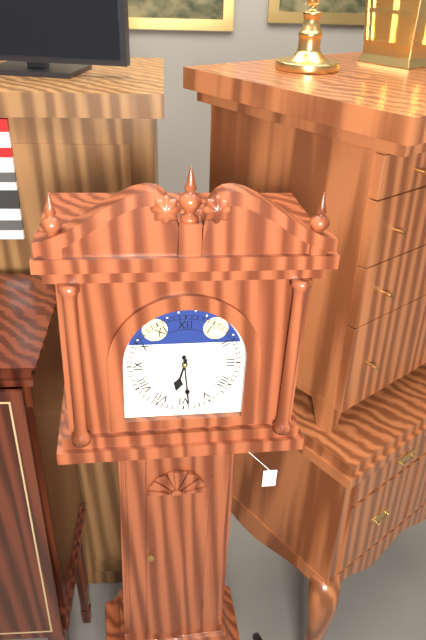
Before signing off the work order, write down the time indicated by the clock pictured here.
6:29
